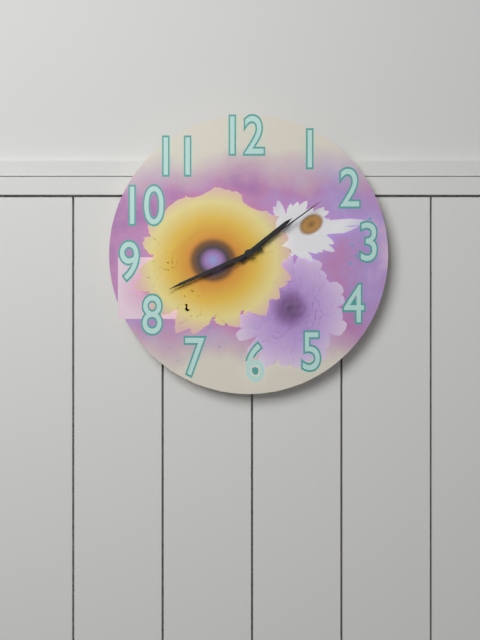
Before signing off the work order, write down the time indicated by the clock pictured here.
1:41:09
